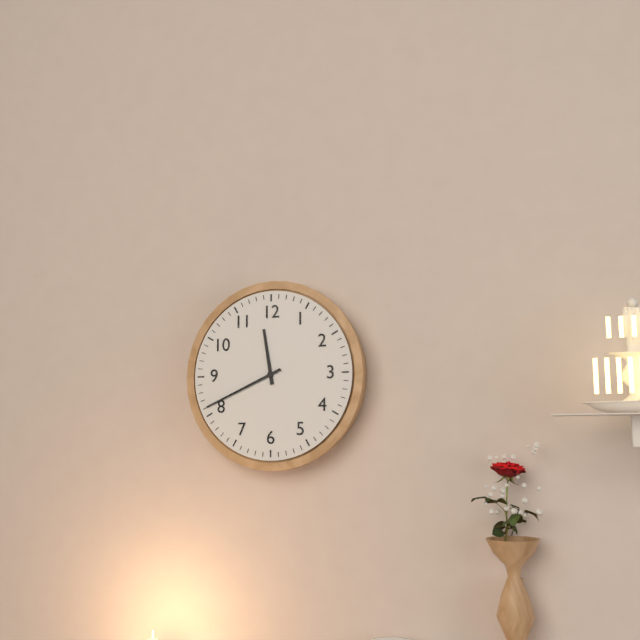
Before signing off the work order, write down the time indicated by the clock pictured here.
11:41
